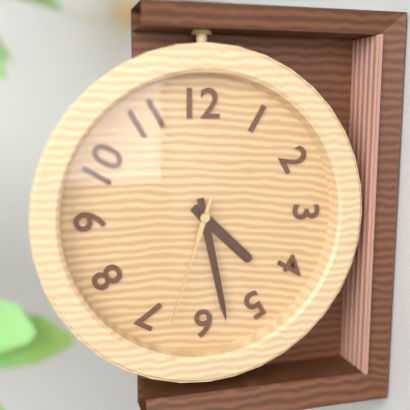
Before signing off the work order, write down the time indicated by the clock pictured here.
4:28:33
